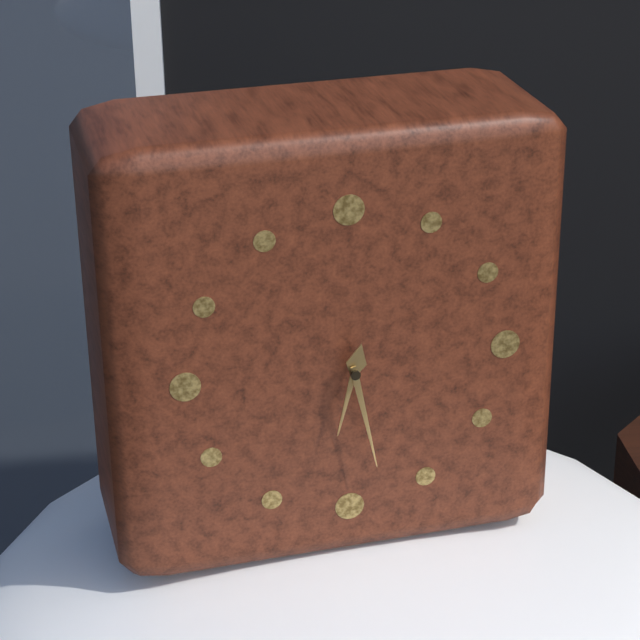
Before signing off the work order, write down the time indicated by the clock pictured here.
6:28
